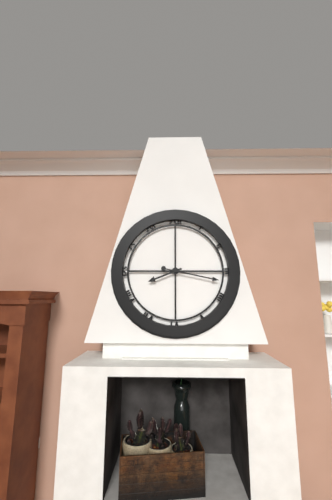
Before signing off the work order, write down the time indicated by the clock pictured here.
8:17
